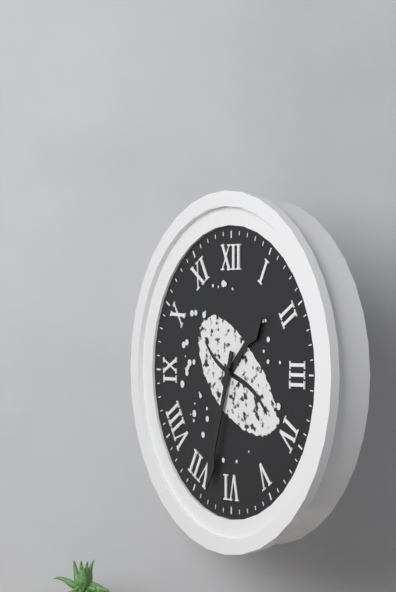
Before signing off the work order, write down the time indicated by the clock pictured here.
1:33
